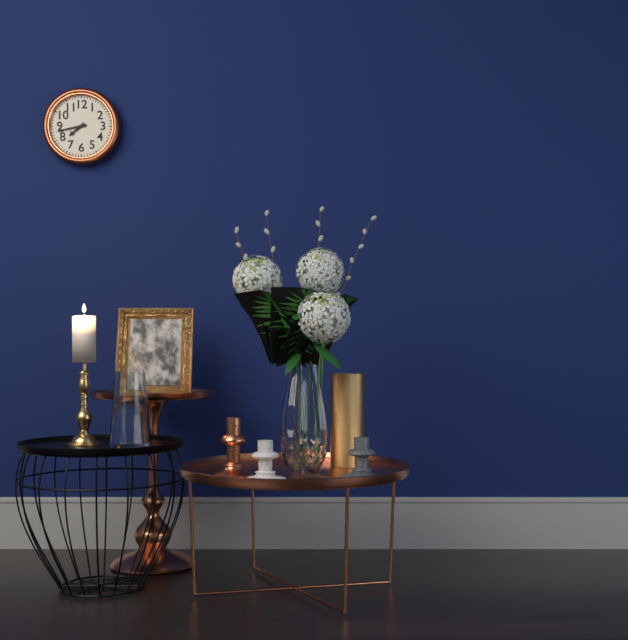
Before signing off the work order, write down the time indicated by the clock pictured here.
7:43
